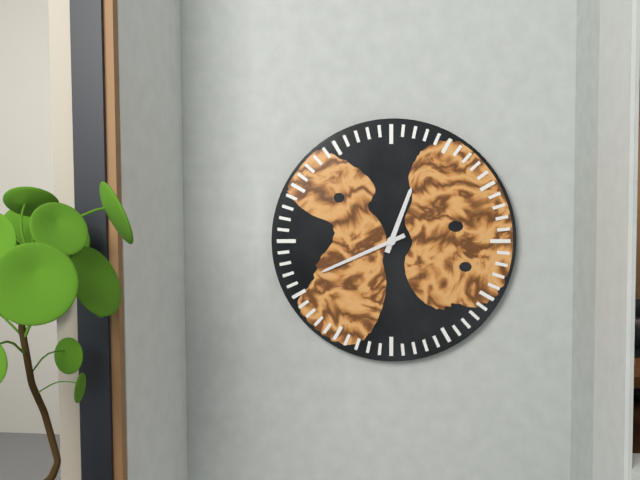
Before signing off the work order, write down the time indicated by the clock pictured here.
12:41
